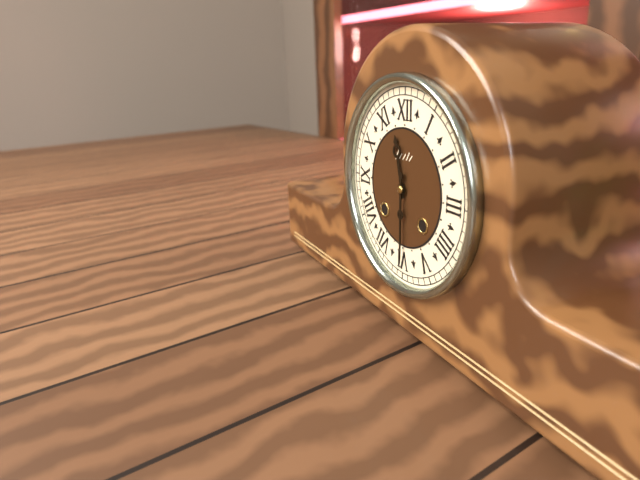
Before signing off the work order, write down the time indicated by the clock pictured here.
11:30
